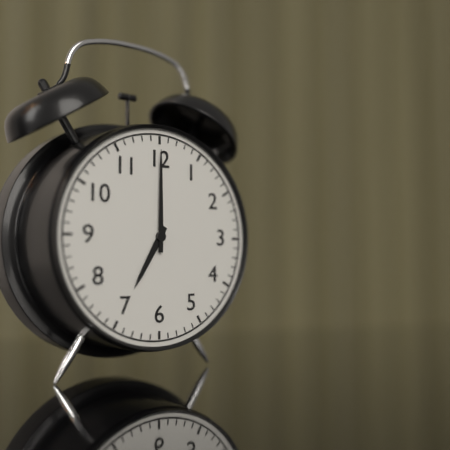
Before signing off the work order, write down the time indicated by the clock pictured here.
7:00
